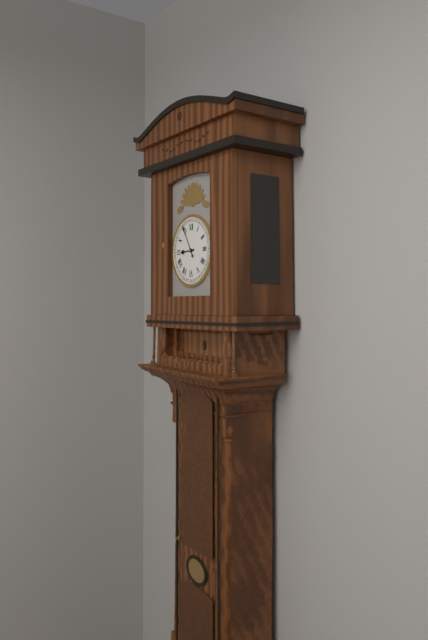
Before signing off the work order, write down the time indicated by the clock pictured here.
8:55
